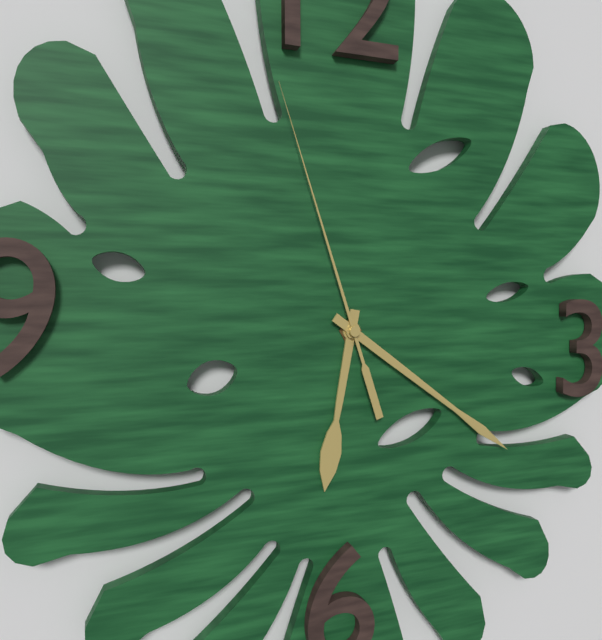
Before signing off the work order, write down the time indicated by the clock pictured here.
6:21:57
